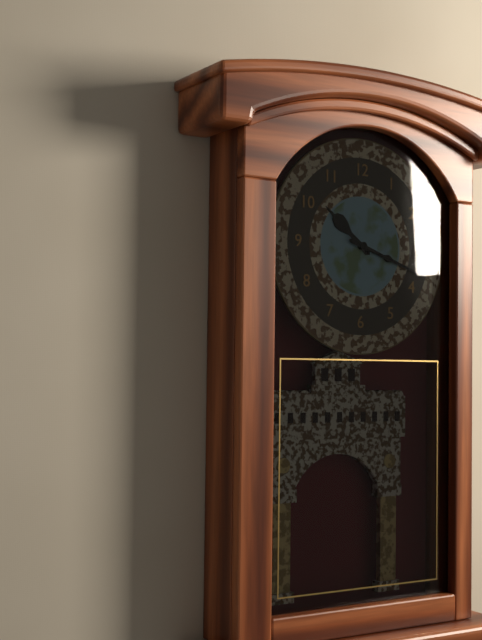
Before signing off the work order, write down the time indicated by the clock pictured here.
10:18
